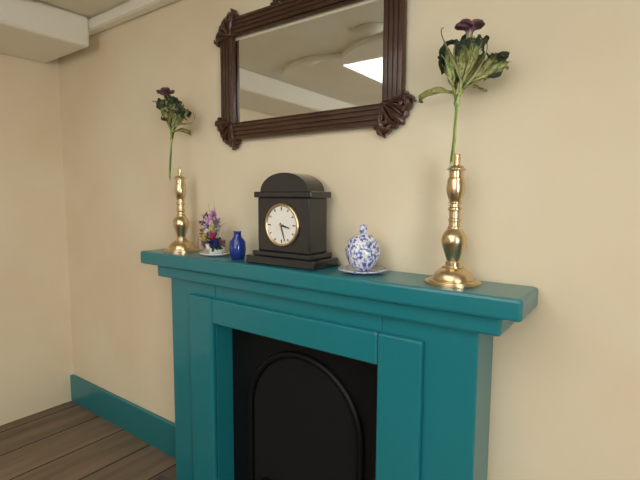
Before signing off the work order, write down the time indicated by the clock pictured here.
3:27
